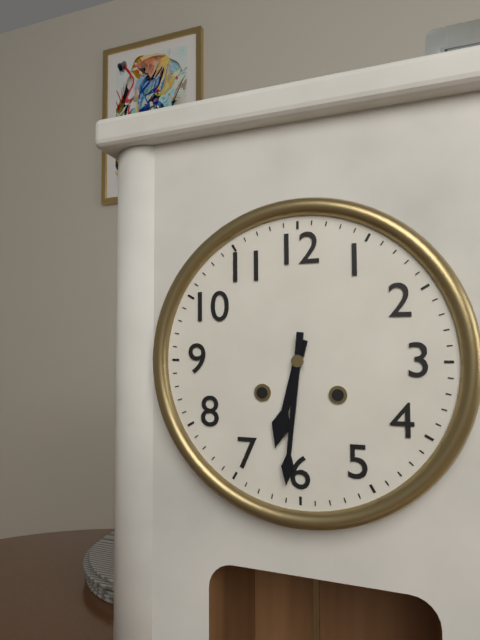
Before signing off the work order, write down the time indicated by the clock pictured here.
6:31
